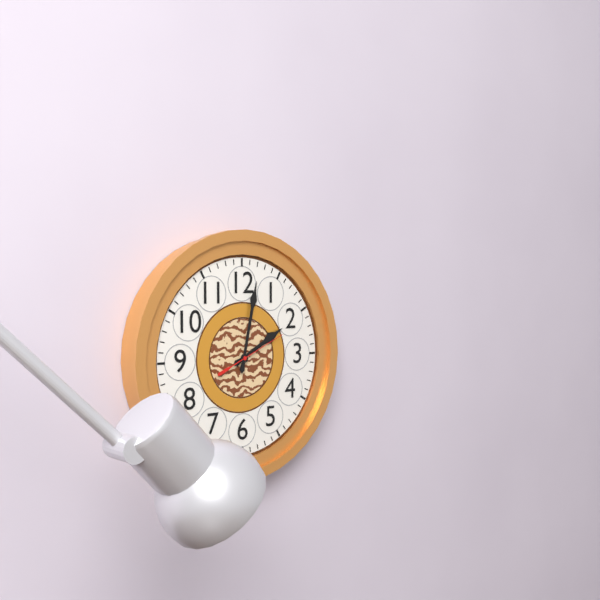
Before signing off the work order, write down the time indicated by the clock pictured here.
2:02:11
